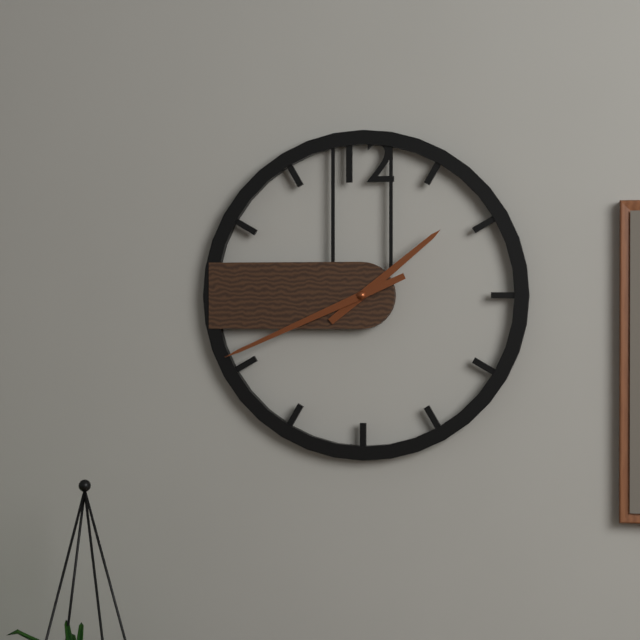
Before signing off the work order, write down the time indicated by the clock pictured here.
1:41
